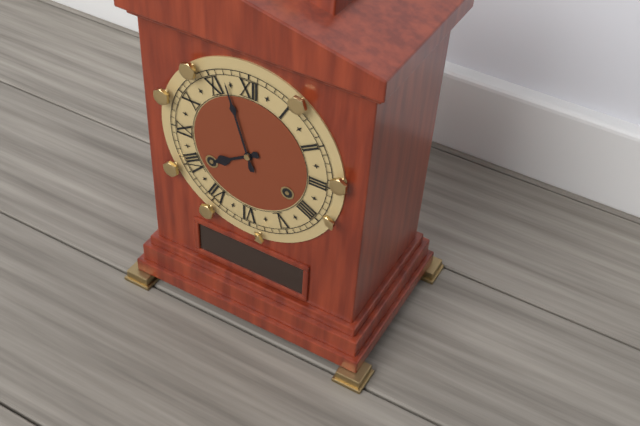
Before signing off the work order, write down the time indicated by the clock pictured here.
7:57
